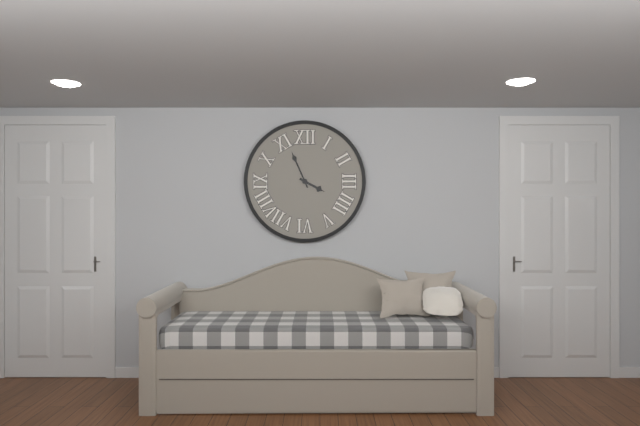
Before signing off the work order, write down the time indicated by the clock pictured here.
3:56
